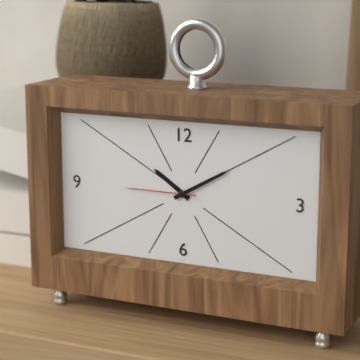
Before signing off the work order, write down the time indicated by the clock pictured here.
10:10:45
